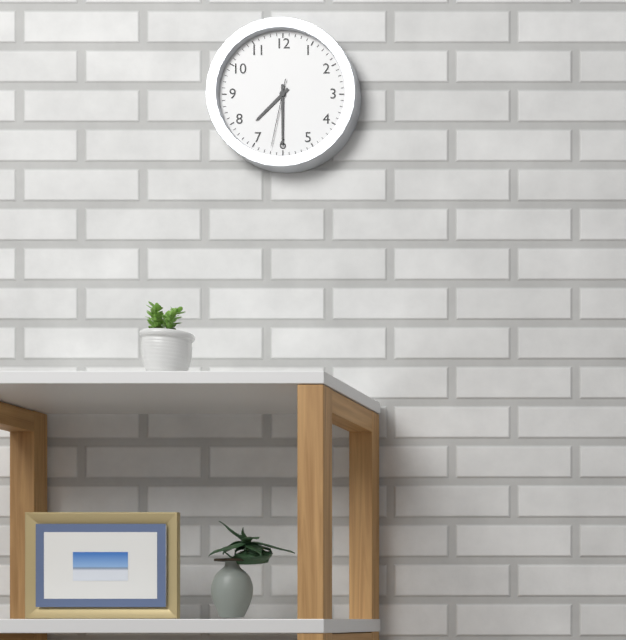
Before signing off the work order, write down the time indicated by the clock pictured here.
7:30:32
